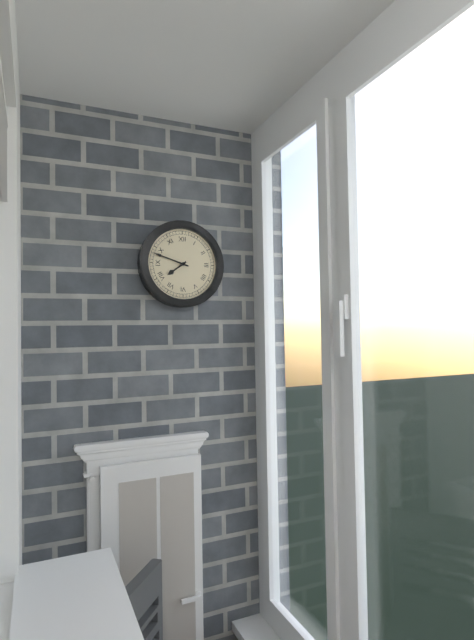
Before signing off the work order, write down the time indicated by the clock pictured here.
7:48
